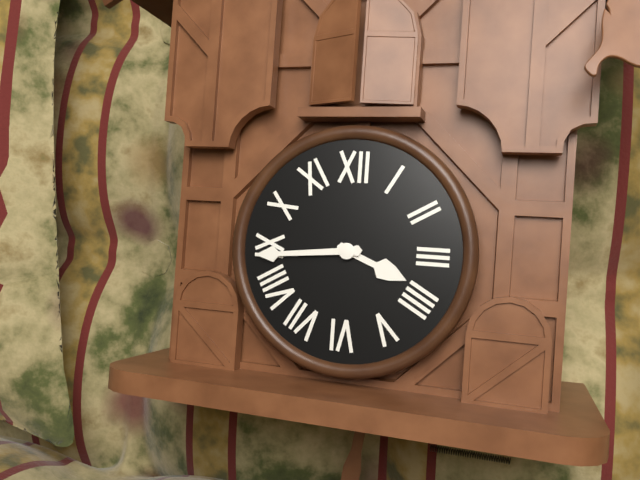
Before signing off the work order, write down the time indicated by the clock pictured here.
3:44
